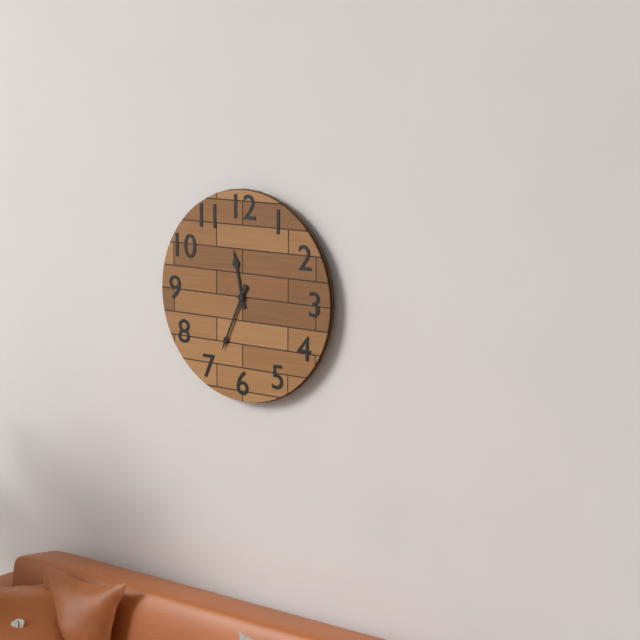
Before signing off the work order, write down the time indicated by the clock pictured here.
11:34
